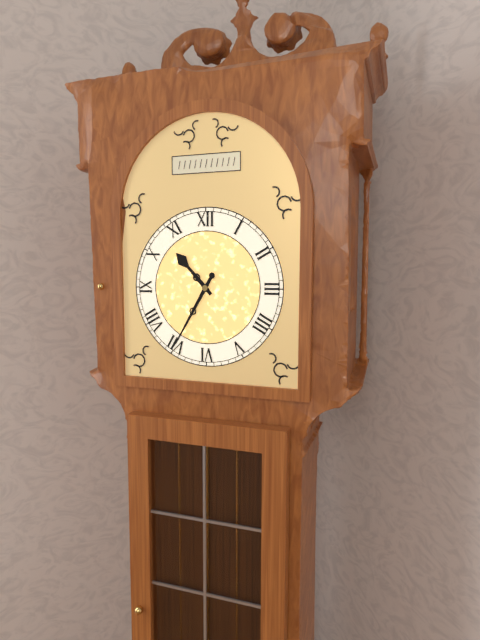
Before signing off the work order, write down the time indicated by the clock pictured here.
10:35
